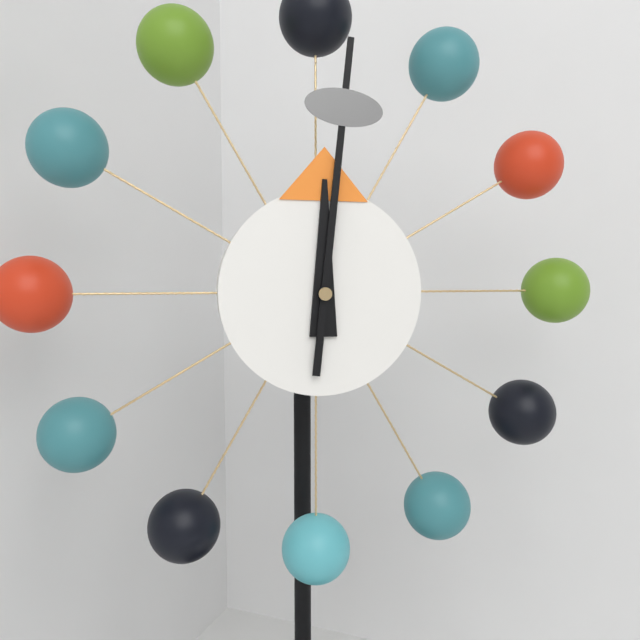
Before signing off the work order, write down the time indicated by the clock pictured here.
12:01
